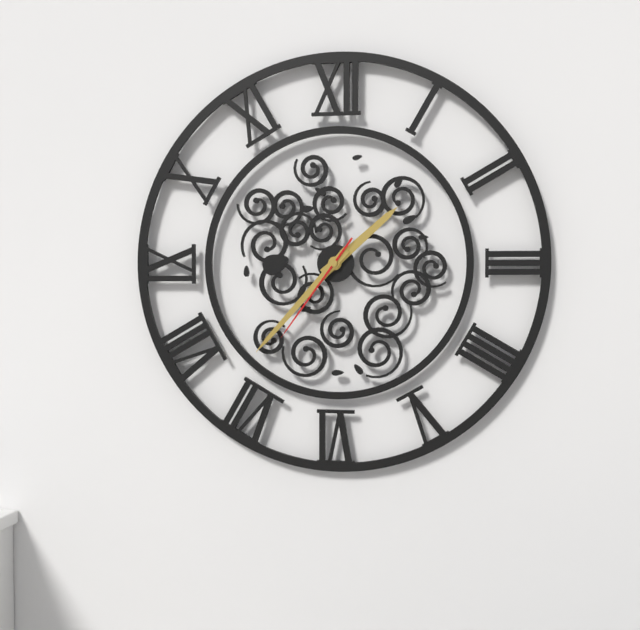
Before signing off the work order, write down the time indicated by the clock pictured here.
1:37:36
